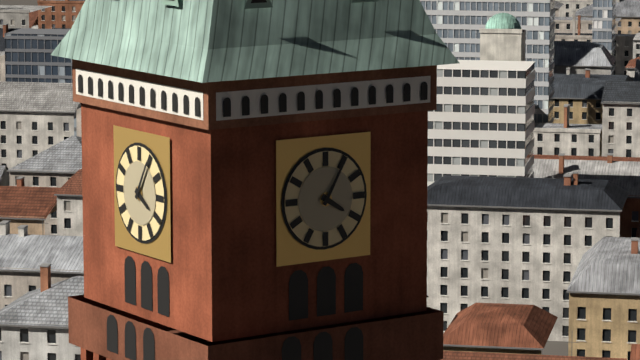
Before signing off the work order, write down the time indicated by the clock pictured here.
4:05
